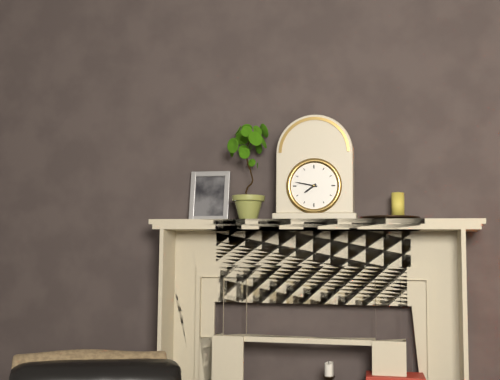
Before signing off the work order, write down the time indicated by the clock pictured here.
7:47
